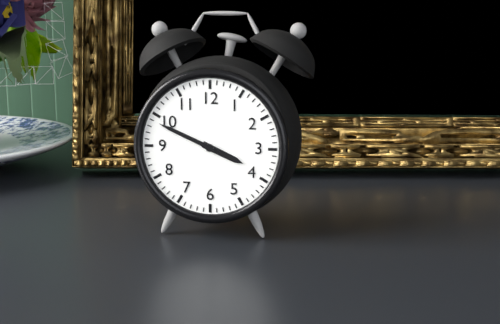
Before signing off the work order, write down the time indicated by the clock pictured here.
3:49
